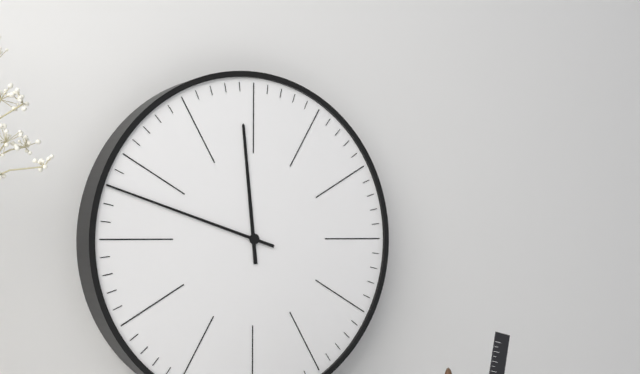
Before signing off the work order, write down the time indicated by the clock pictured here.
11:48
